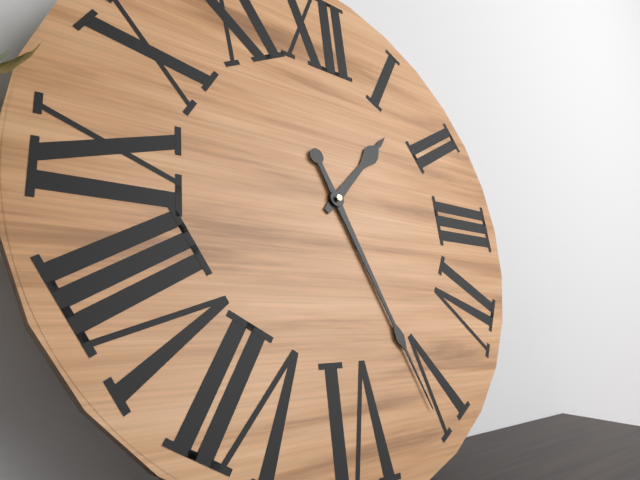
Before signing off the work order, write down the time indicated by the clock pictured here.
1:26
